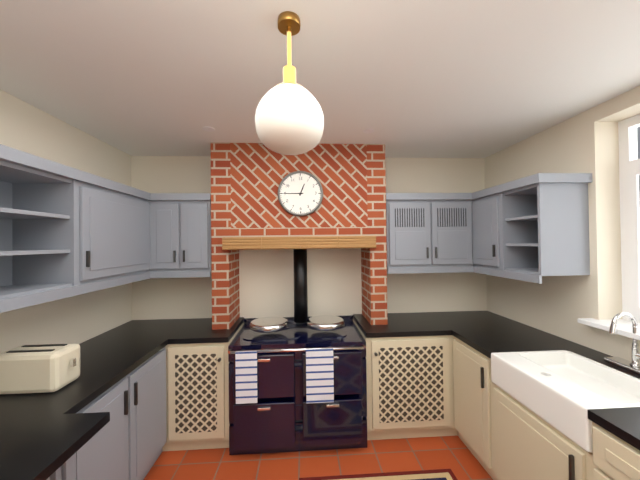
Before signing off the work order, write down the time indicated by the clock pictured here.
12:45
